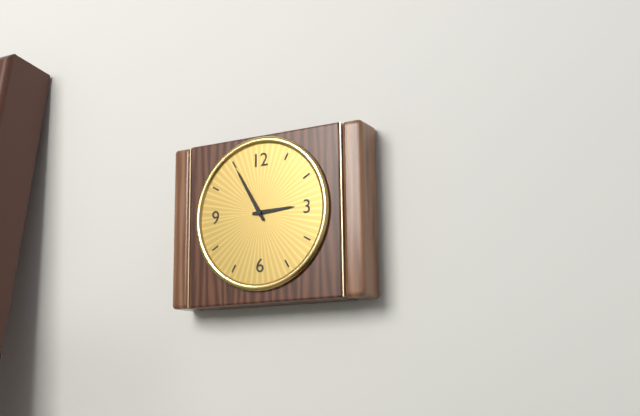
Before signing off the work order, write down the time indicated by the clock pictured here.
2:55
